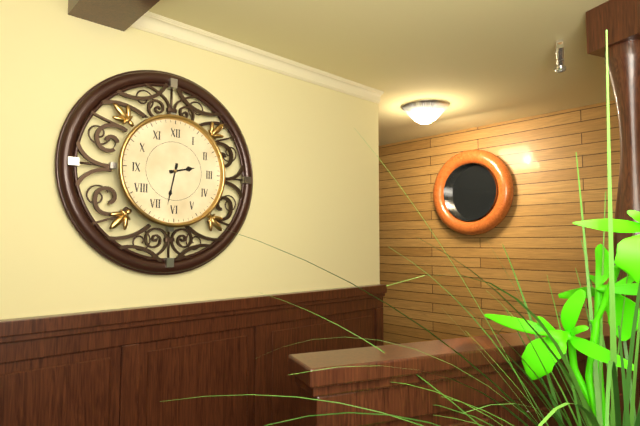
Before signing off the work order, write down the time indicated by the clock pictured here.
2:32
